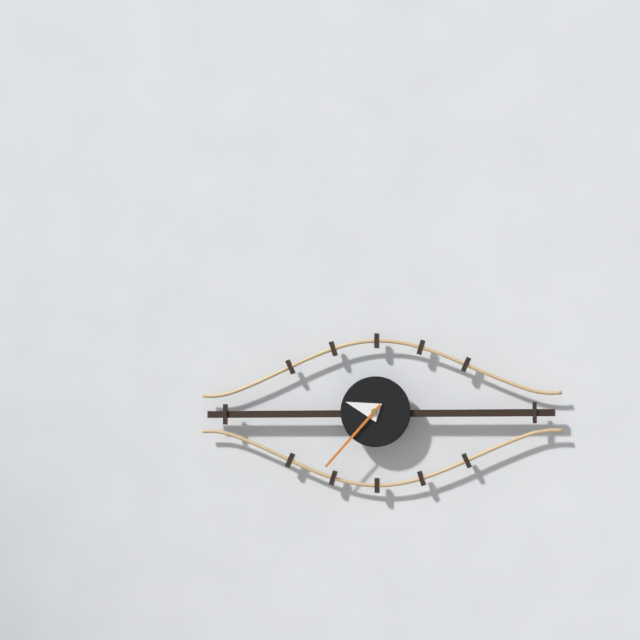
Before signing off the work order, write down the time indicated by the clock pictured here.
9:37
